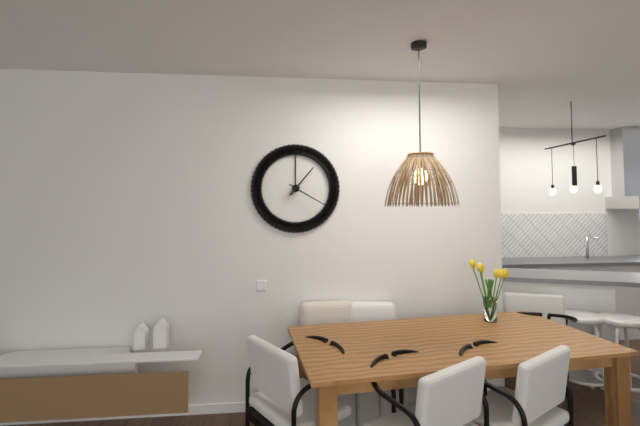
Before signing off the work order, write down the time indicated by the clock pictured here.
1:20
